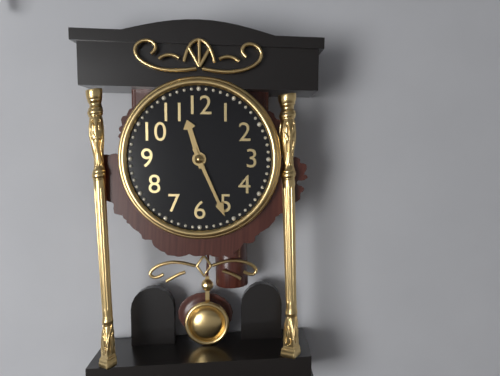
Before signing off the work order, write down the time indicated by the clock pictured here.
11:26
